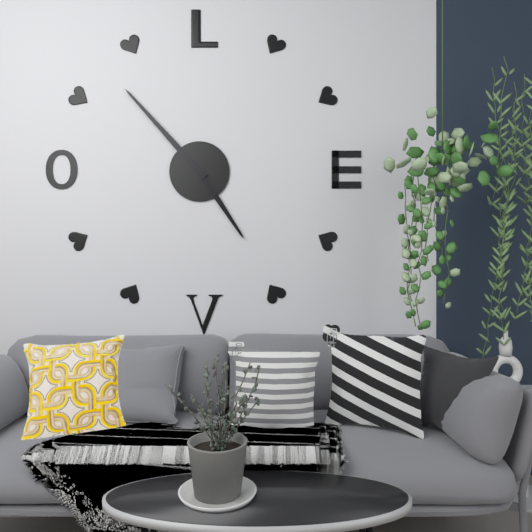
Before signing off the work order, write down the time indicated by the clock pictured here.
4:53
